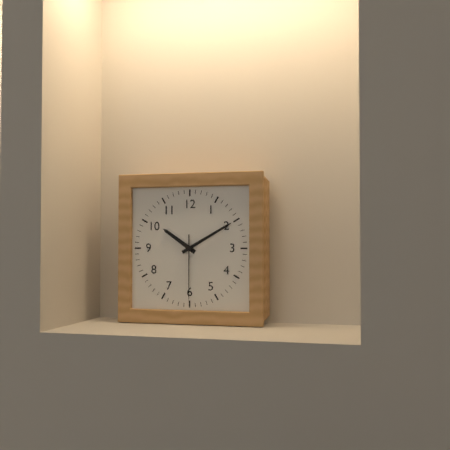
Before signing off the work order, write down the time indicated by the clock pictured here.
10:10:30
